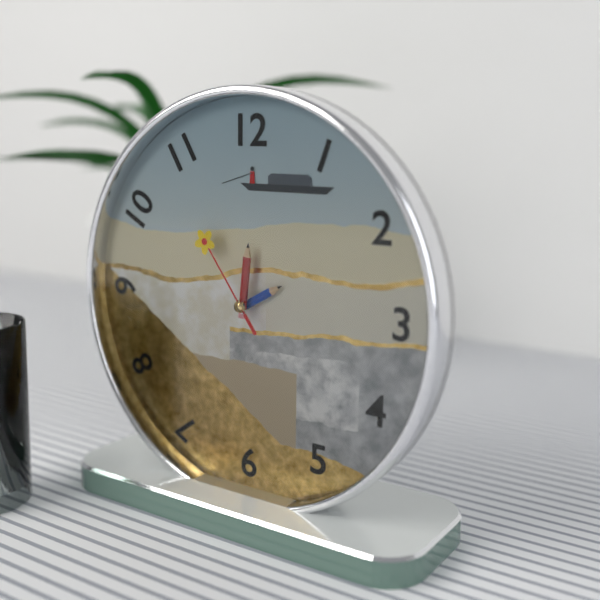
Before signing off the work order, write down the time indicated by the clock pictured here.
2:01:54
